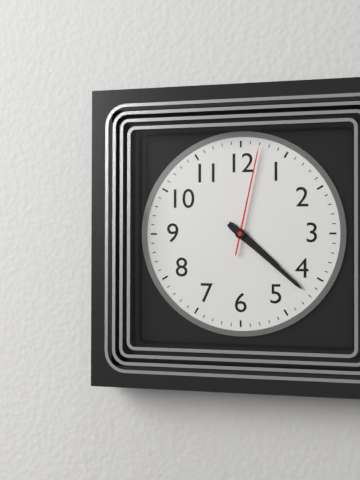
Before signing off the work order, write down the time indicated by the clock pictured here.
4:22:02
